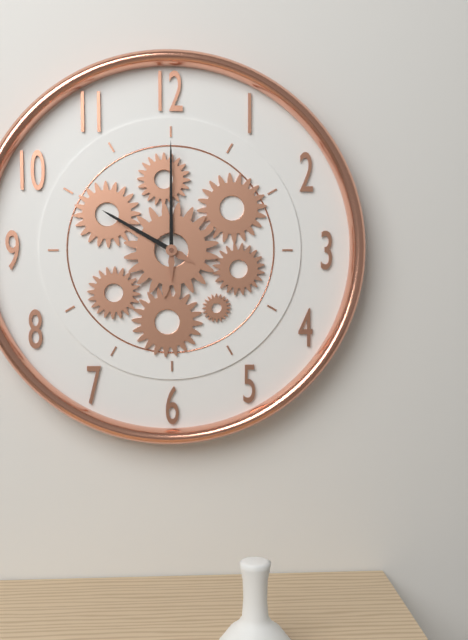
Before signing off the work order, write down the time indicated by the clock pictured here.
10:00
